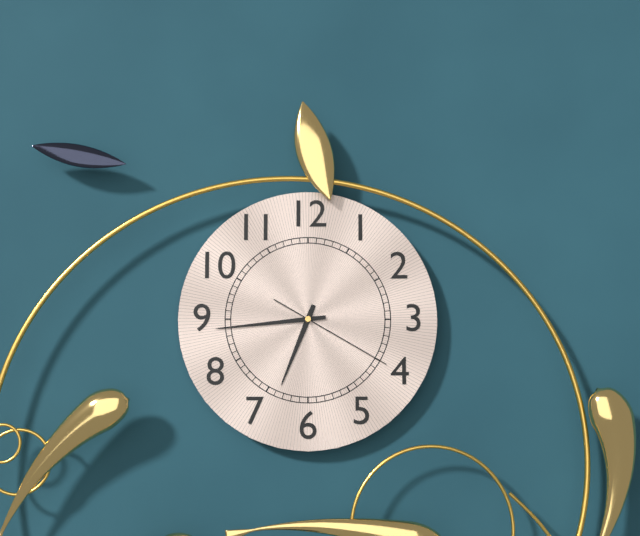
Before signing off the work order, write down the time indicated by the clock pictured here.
6:44:20
